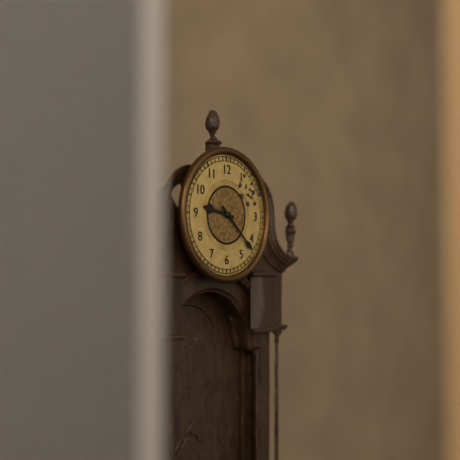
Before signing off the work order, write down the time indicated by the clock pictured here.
9:22
